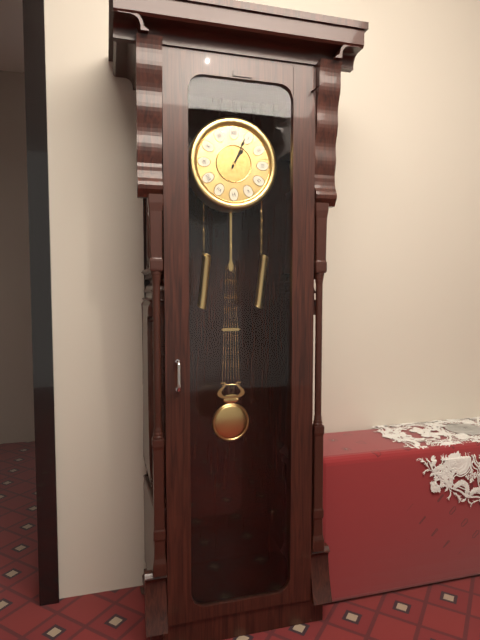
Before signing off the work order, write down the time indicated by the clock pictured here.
1:04
